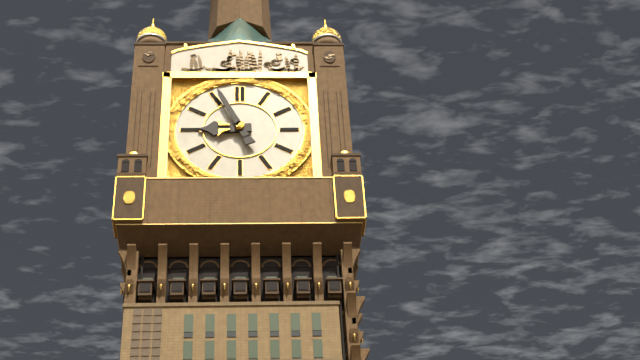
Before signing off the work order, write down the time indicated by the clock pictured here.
8:56
